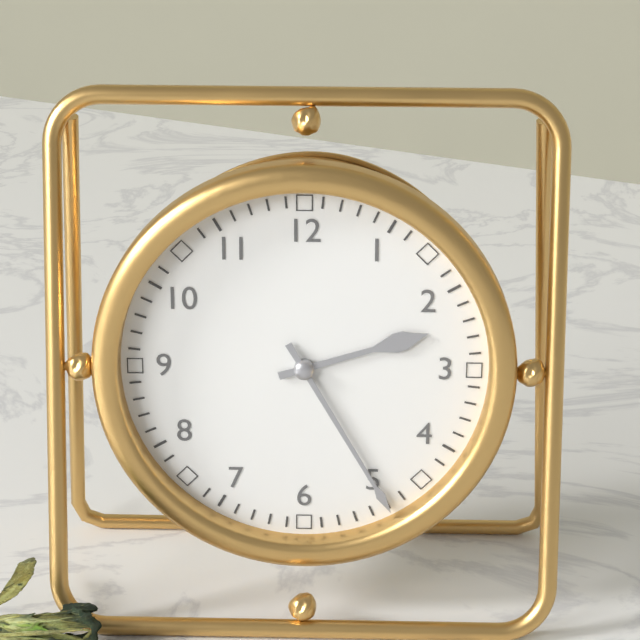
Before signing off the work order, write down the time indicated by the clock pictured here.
2:25
